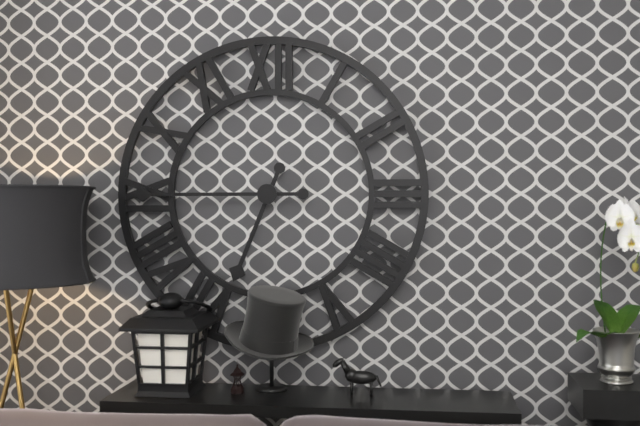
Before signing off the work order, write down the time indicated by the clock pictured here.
6:45
